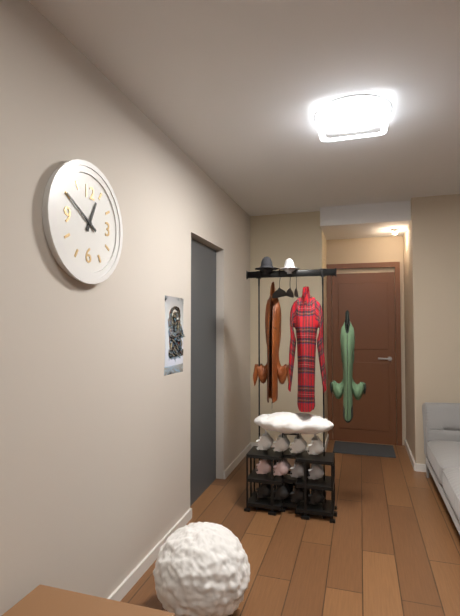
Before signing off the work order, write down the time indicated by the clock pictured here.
12:50
